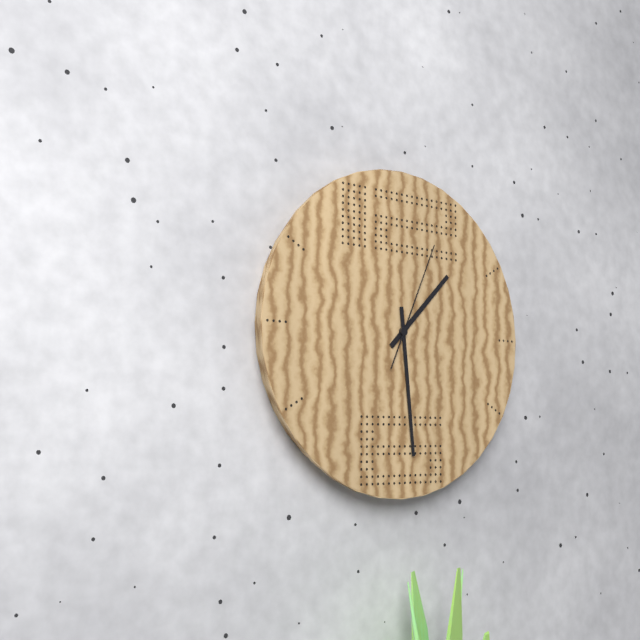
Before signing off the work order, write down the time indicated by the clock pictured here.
1:29:04
